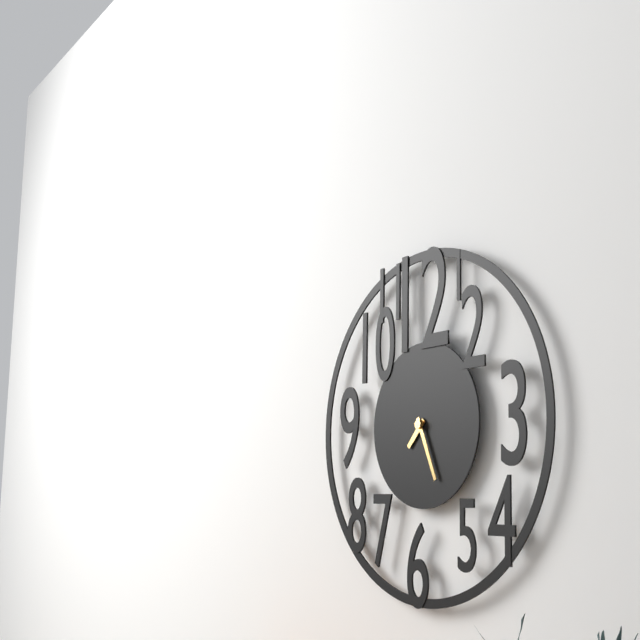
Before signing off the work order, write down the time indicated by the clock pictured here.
7:26
